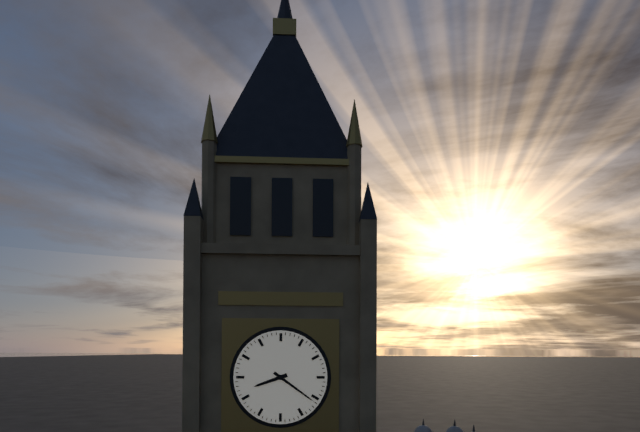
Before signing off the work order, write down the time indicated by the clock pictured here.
8:21
